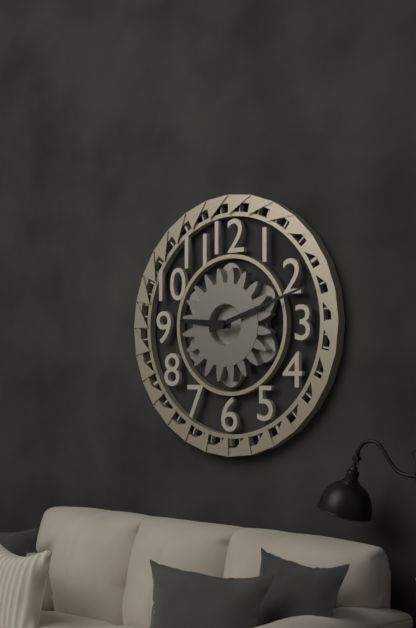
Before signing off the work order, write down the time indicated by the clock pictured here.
9:12
